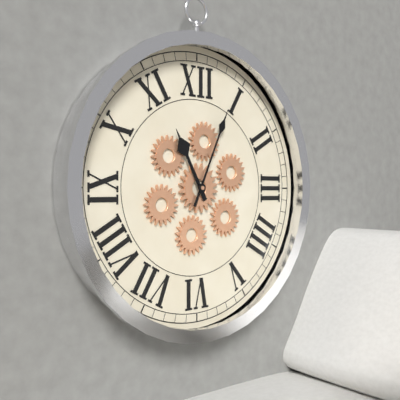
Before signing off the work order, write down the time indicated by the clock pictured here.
11:04
